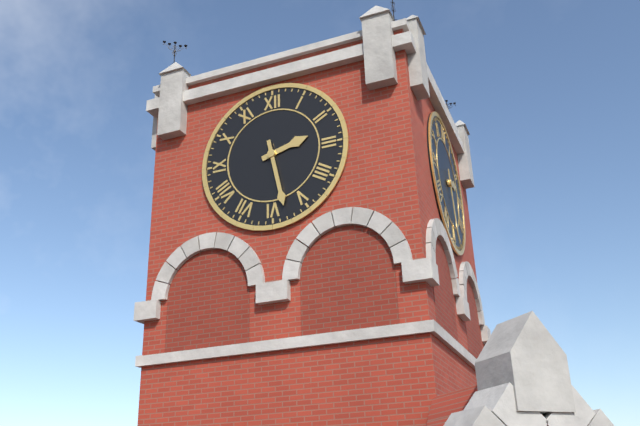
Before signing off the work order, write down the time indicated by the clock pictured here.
2:28
